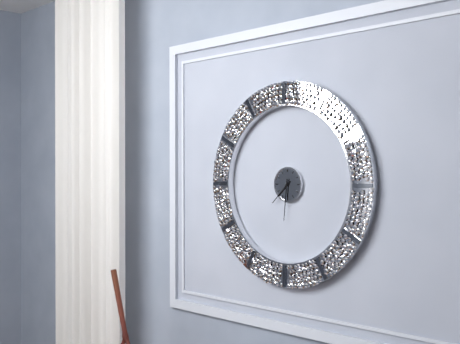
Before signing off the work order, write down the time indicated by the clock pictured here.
7:31
